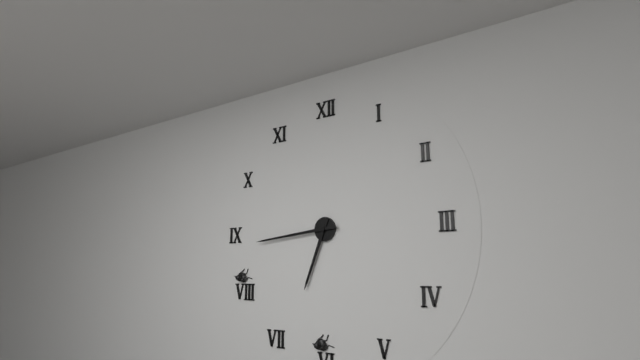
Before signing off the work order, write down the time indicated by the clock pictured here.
6:44
